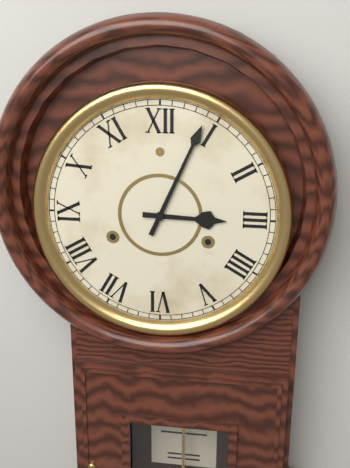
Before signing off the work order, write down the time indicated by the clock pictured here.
3:04
